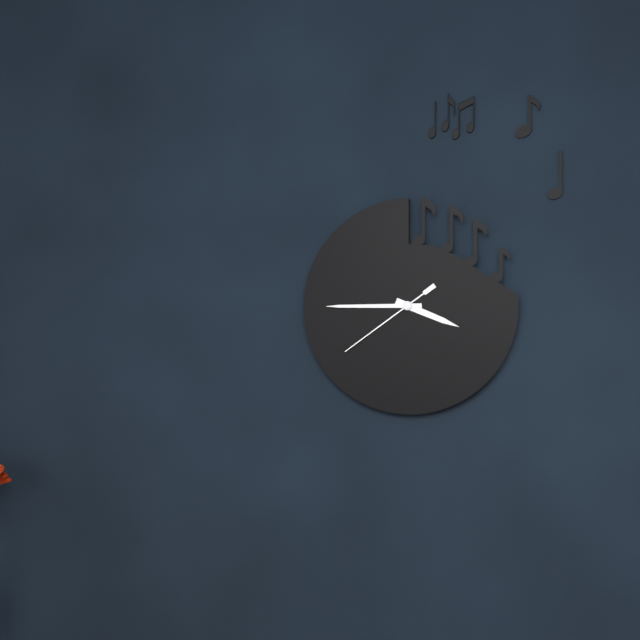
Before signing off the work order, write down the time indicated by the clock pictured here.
3:45:39
